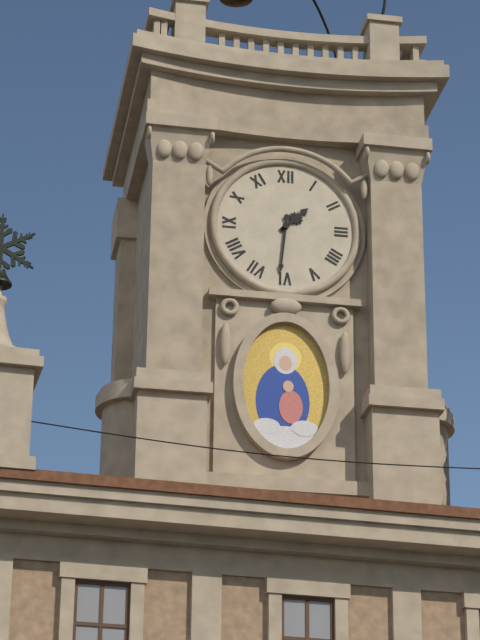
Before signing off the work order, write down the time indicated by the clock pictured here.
1:31
